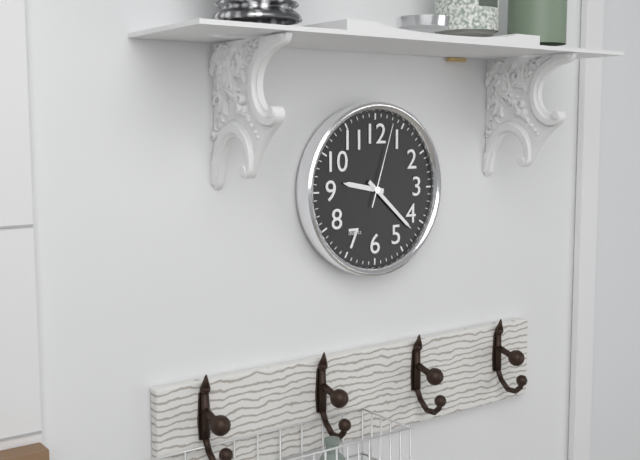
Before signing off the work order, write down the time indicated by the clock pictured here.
9:22:03
